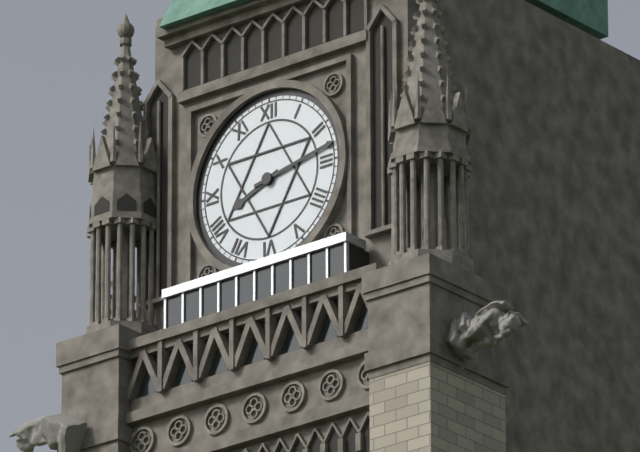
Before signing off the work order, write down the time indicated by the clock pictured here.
8:13
